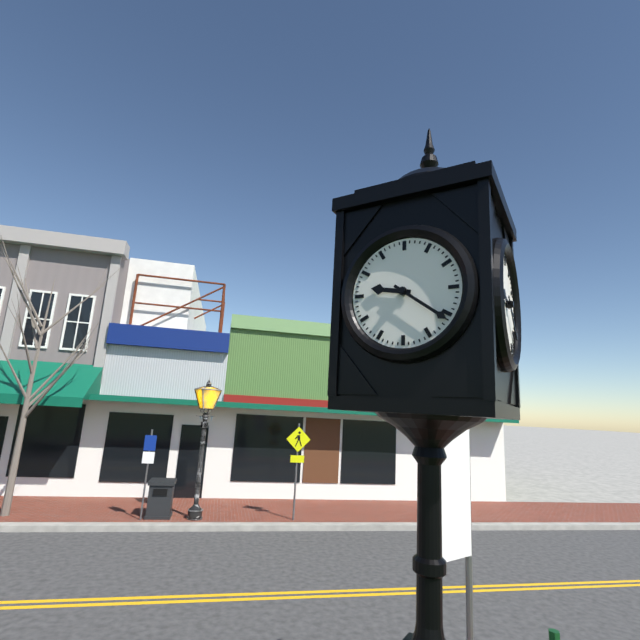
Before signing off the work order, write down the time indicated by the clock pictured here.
9:21
